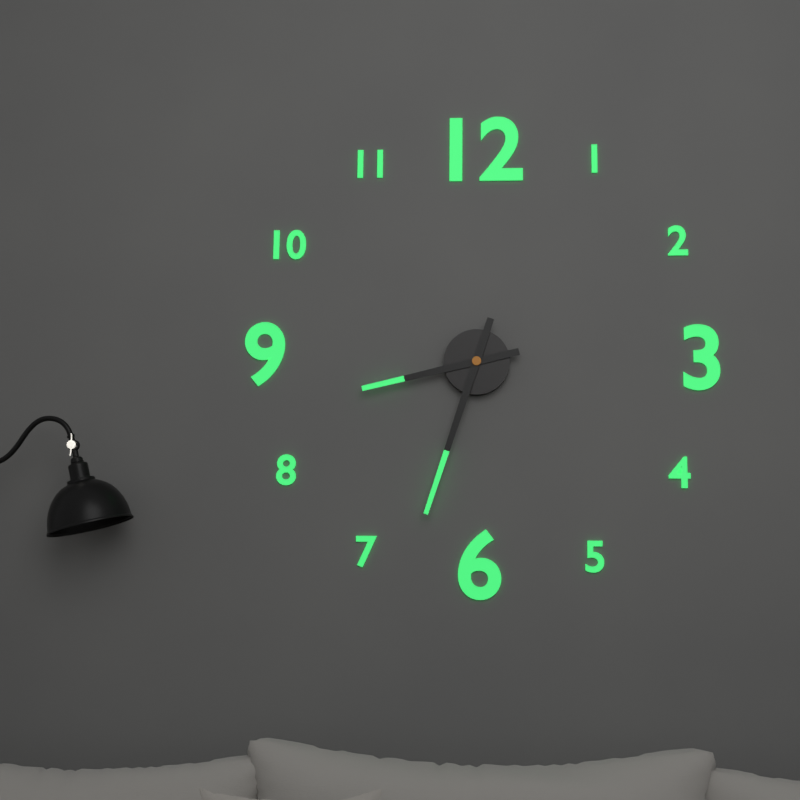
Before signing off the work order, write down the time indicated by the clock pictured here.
8:33
